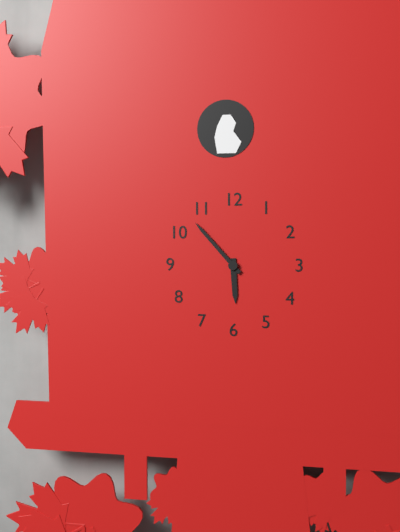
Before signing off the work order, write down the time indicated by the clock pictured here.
5:53
